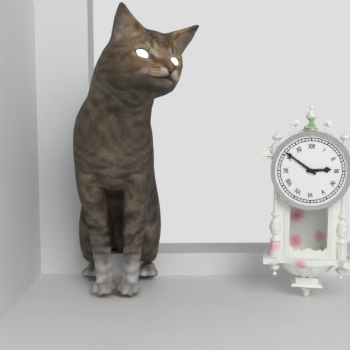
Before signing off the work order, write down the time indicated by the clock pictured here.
2:51
